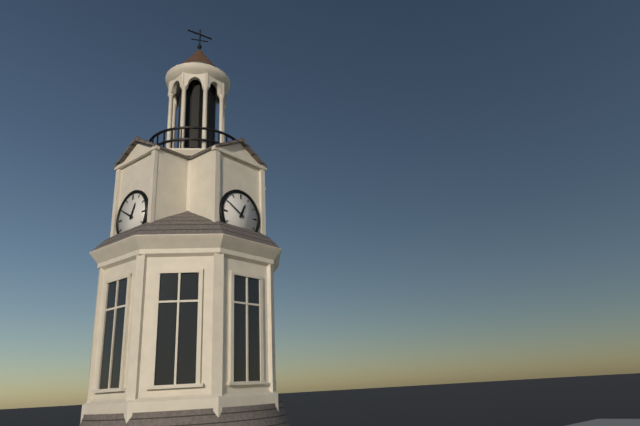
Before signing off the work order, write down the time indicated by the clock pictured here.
12:50
